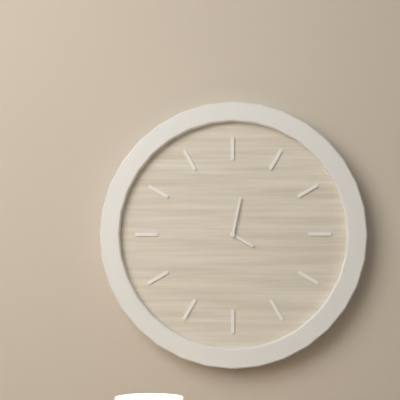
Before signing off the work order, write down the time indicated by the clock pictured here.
4:02
